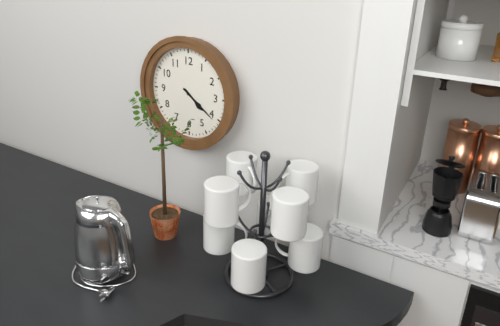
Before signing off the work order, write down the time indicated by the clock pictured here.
4:21
